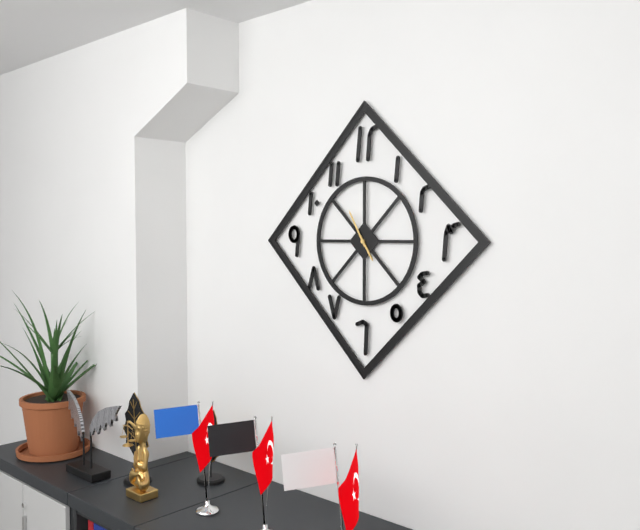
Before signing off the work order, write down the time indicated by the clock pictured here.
4:55
